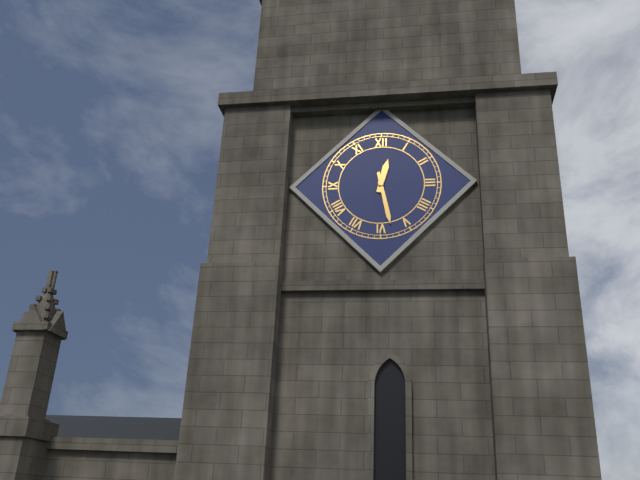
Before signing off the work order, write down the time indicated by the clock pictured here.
12:28
